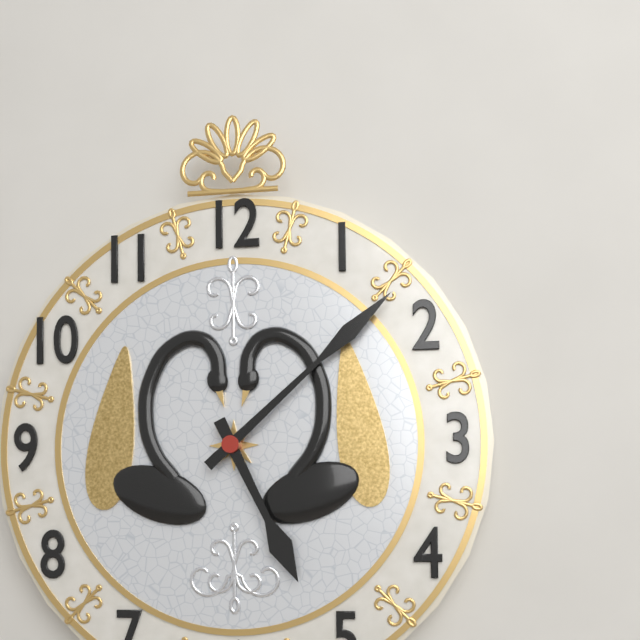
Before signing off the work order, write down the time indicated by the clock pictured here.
5:08
